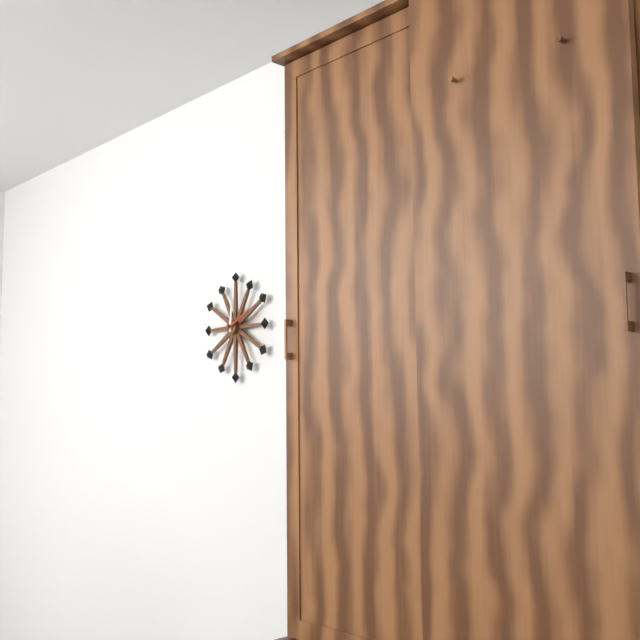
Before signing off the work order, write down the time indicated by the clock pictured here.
12:11
